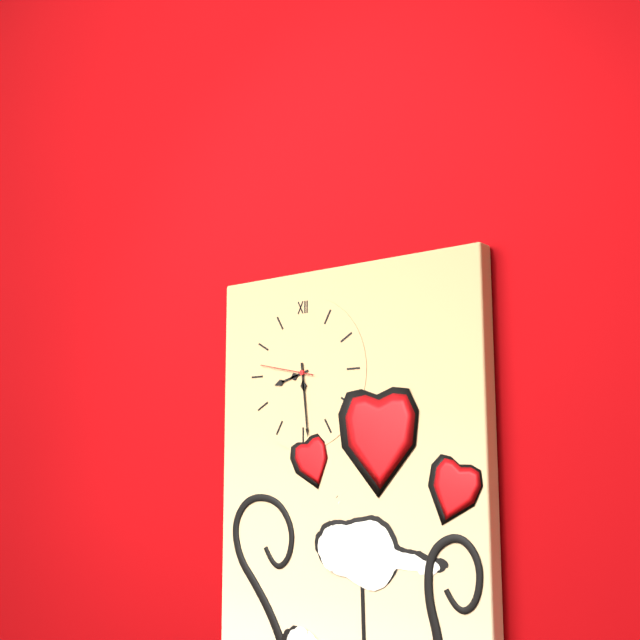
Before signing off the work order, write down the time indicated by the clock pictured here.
8:29:47
